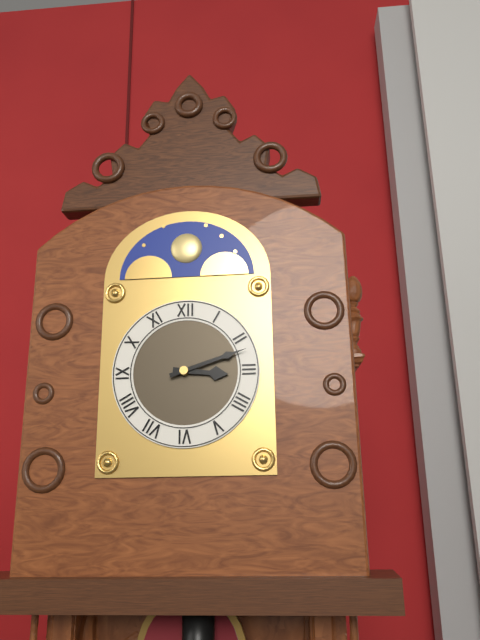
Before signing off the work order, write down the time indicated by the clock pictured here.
3:12
